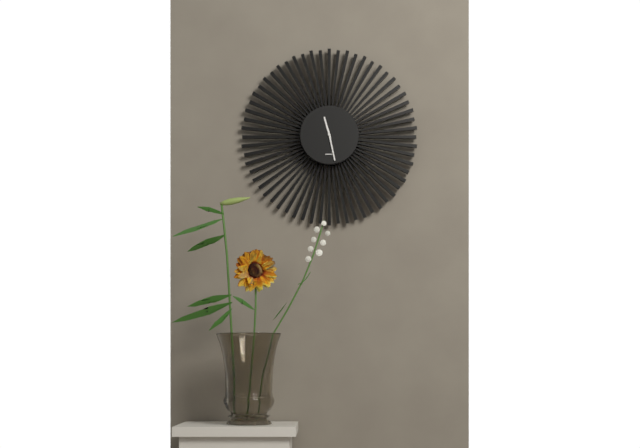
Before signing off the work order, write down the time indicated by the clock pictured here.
11:28
